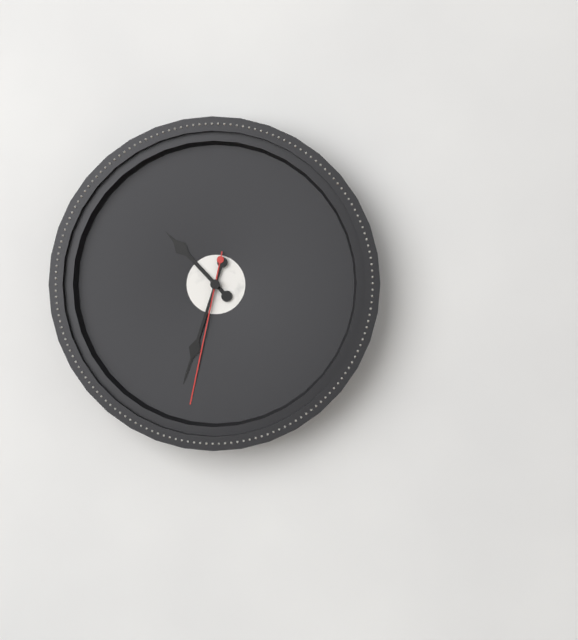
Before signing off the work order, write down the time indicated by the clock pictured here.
10:33:32
